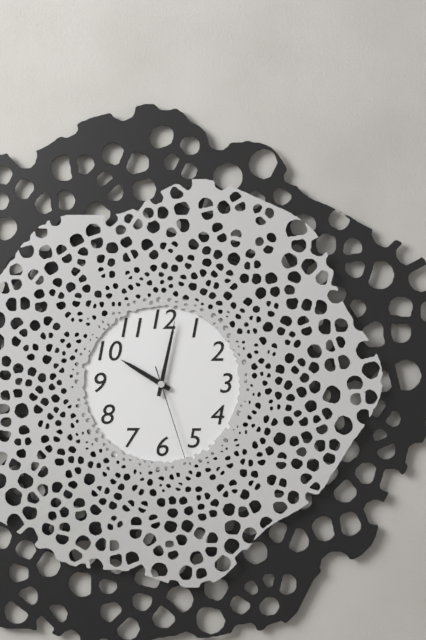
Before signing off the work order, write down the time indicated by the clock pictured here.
10:02:27
